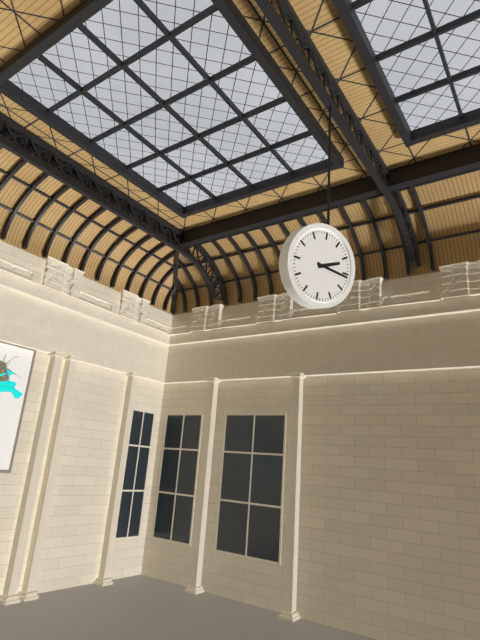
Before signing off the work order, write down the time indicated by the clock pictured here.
2:16
